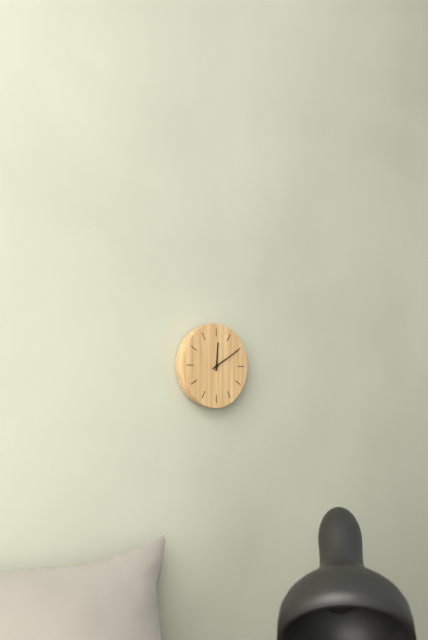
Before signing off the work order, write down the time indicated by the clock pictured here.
12:10
